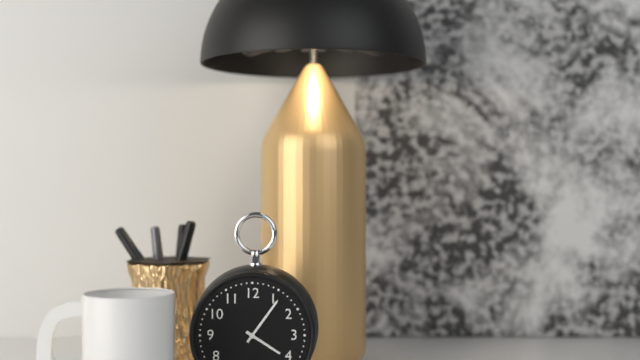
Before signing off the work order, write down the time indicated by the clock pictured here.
4:06
